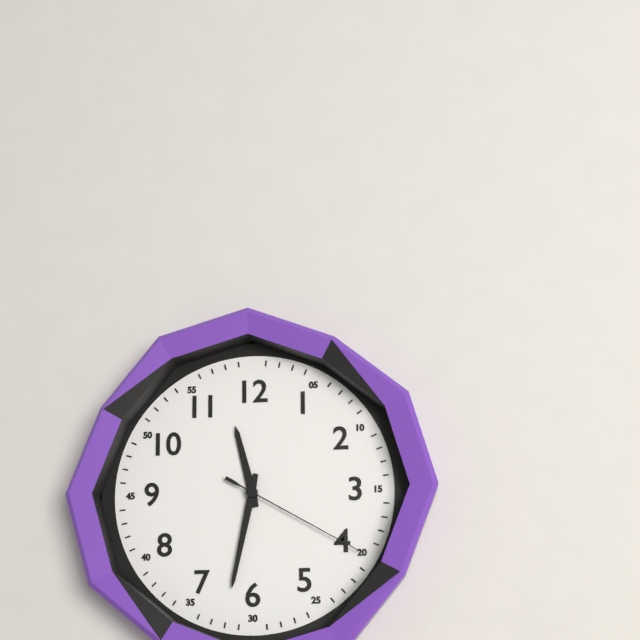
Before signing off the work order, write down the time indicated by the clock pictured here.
11:32:20
